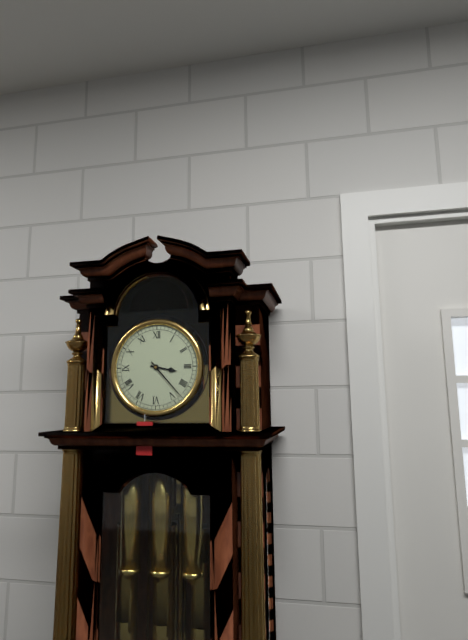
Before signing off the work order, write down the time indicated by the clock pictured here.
3:23
